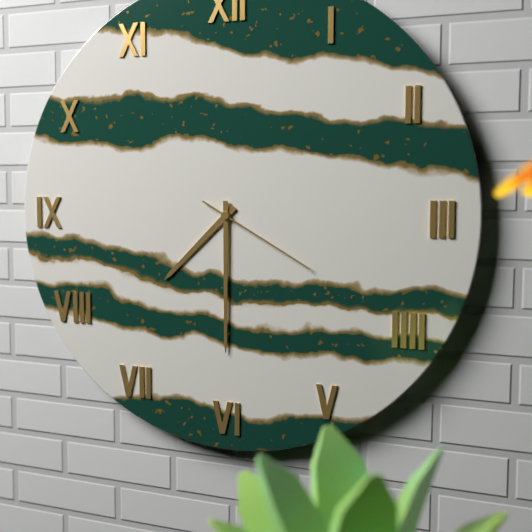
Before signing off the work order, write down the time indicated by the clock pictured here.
7:30:20
